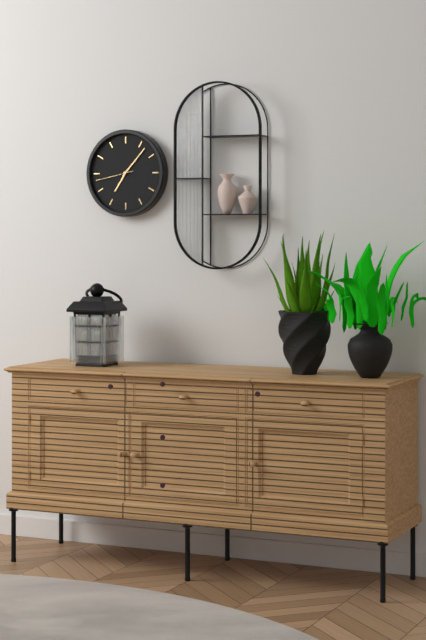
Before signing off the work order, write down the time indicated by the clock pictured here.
7:07
